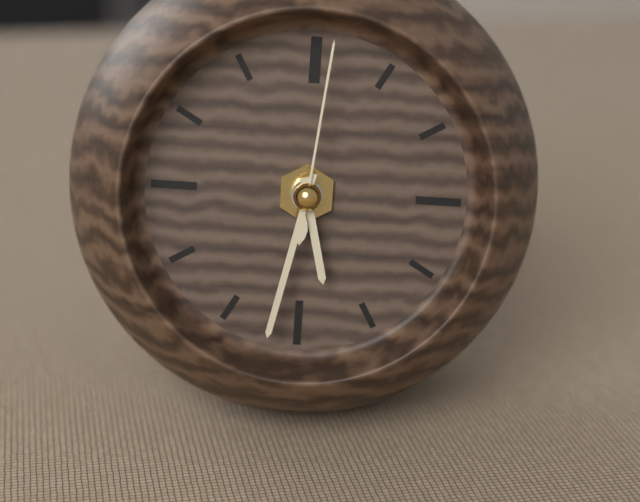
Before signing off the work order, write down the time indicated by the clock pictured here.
5:32:01
